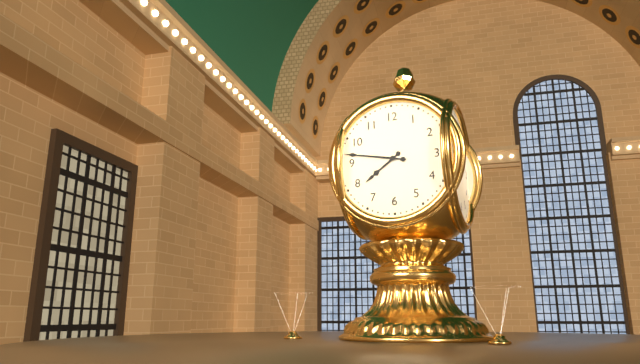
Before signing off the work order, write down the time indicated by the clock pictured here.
7:47
